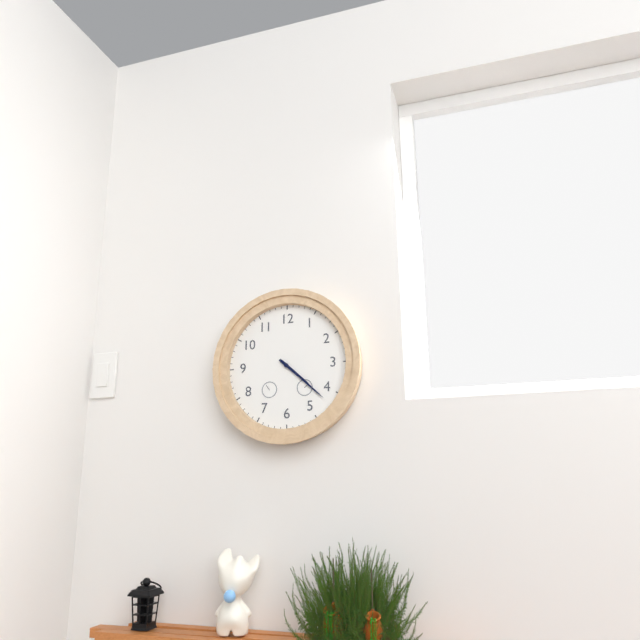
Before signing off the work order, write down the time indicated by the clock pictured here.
4:22
